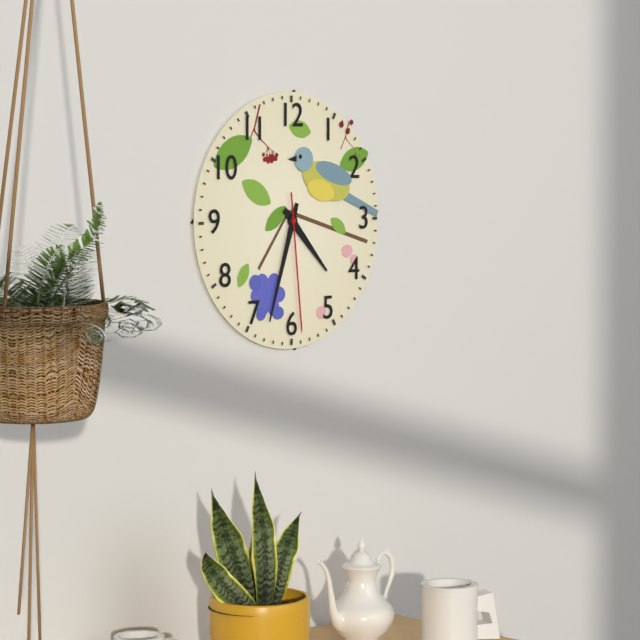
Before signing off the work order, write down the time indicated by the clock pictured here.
4:33:29
